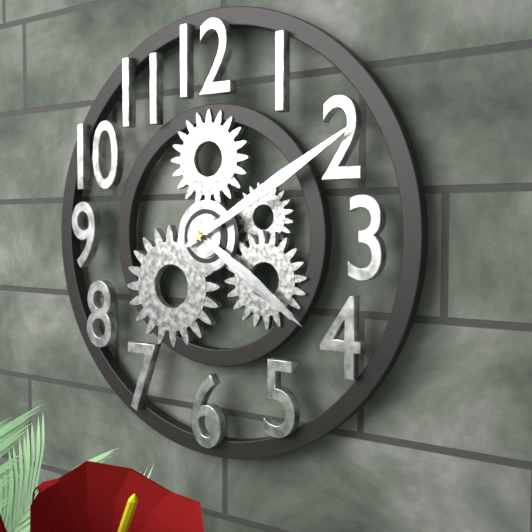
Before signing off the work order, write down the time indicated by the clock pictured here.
4:10
